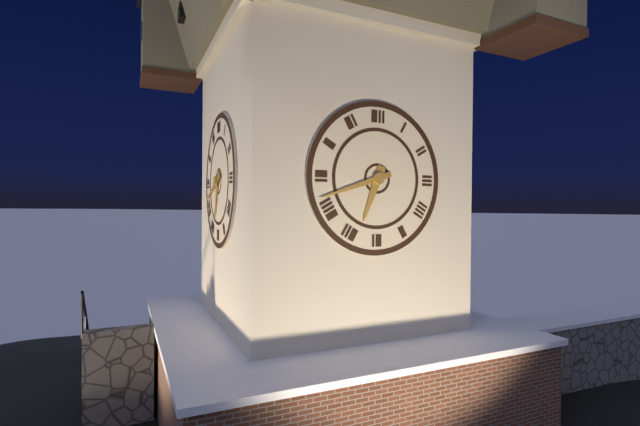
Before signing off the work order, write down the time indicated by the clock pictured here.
6:42
